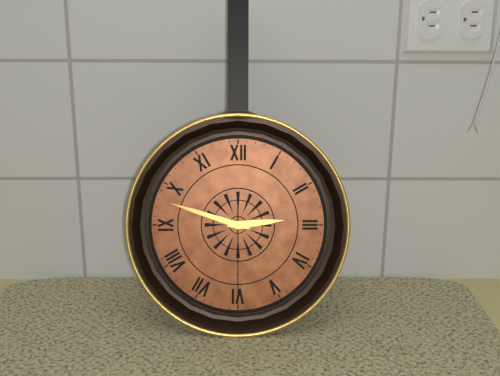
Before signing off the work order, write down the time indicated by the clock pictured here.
2:48:30
